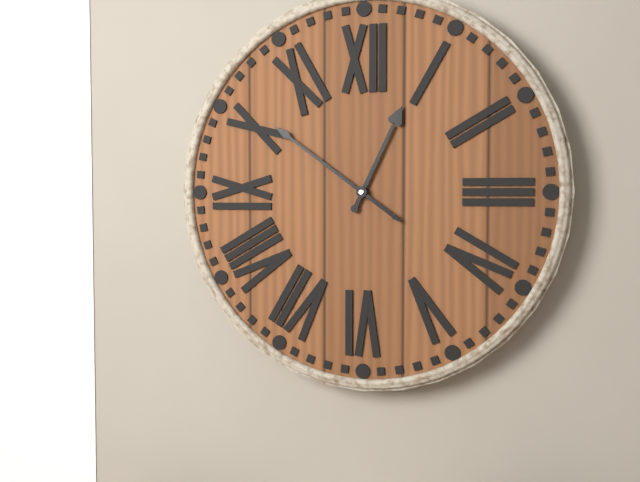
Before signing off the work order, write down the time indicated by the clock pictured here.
12:51
